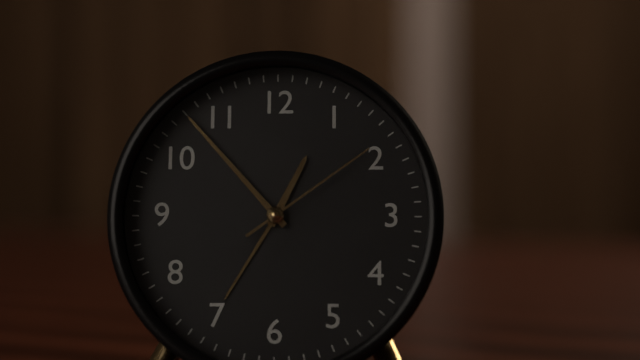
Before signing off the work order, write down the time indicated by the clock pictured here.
12:53:09
